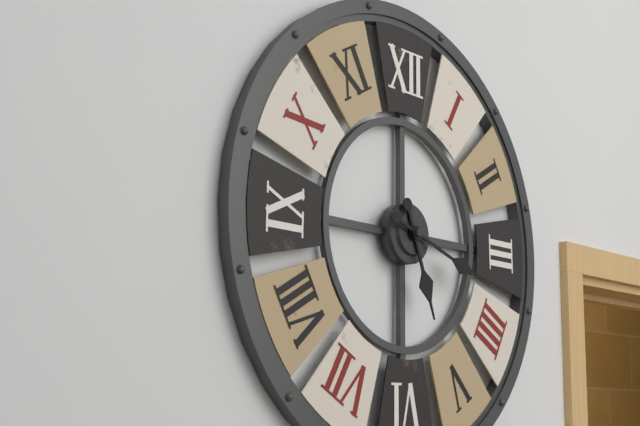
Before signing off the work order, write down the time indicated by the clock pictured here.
5:18
